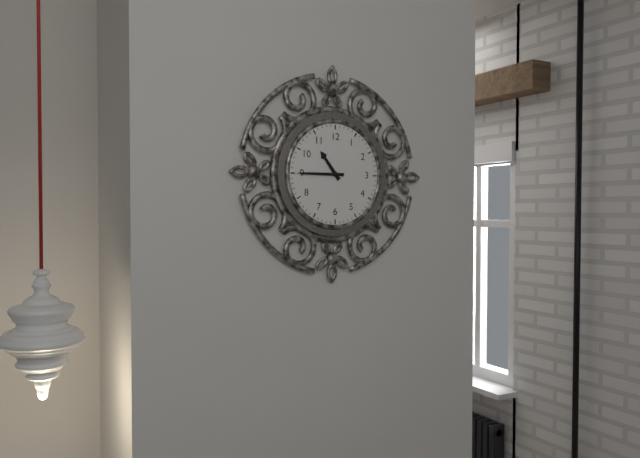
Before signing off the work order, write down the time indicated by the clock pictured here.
10:45
